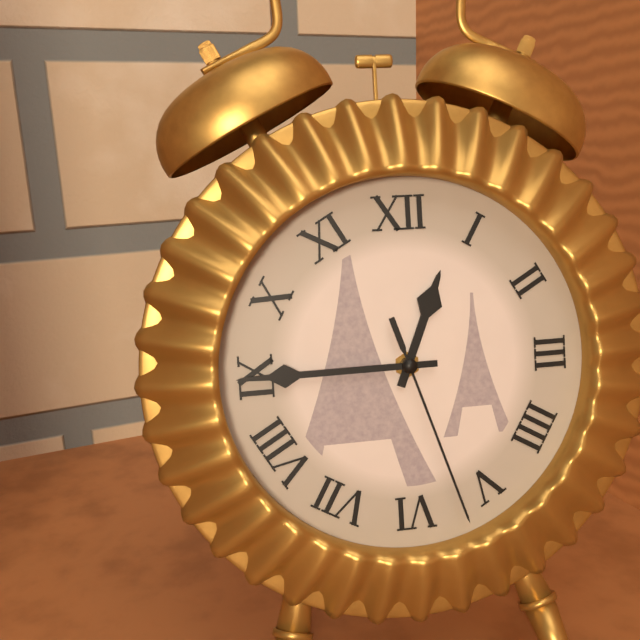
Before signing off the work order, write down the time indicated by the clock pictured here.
12:45:27
